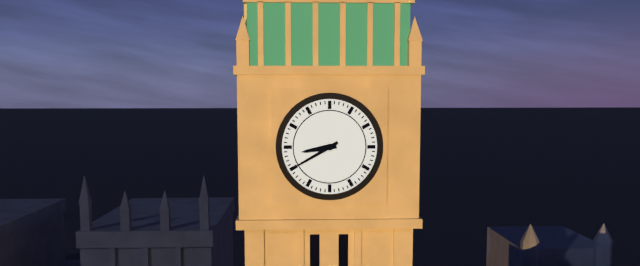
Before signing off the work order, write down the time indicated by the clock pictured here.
8:40
